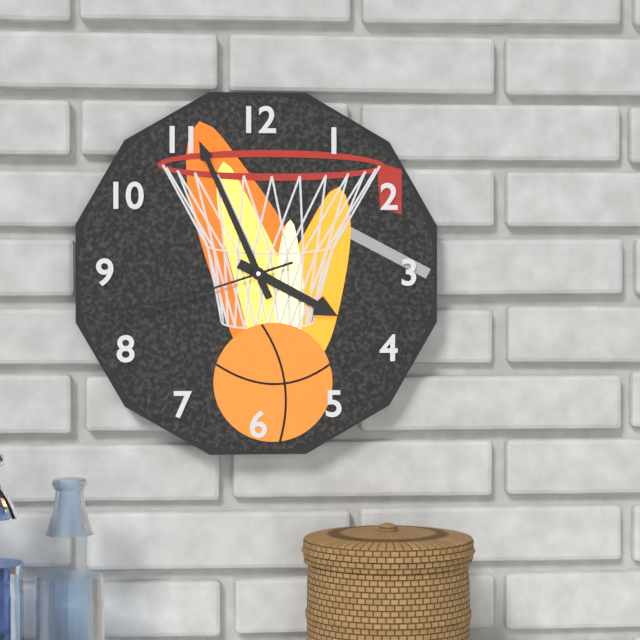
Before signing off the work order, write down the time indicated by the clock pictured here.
3:56:42
